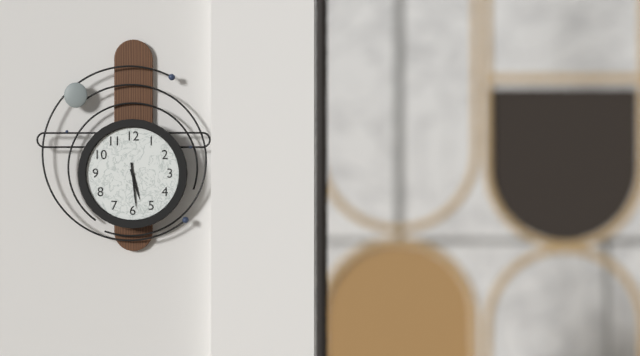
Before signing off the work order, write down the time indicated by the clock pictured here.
5:29
